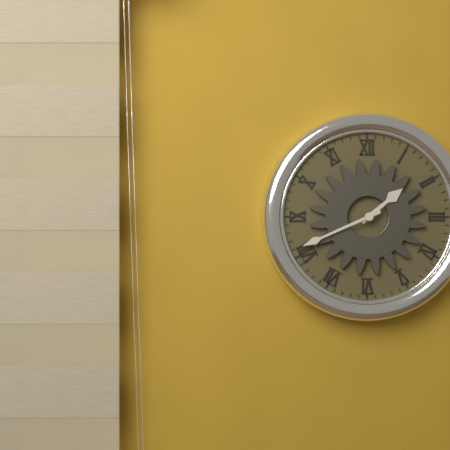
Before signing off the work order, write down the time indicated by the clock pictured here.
1:41
